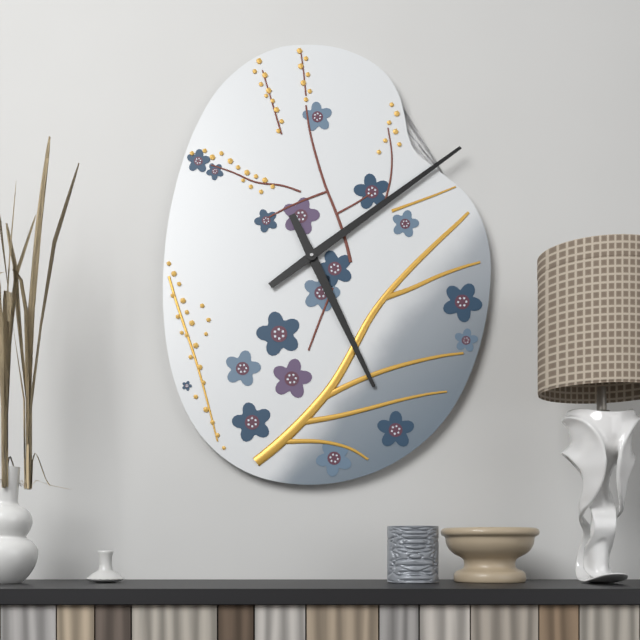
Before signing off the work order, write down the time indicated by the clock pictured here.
5:09
